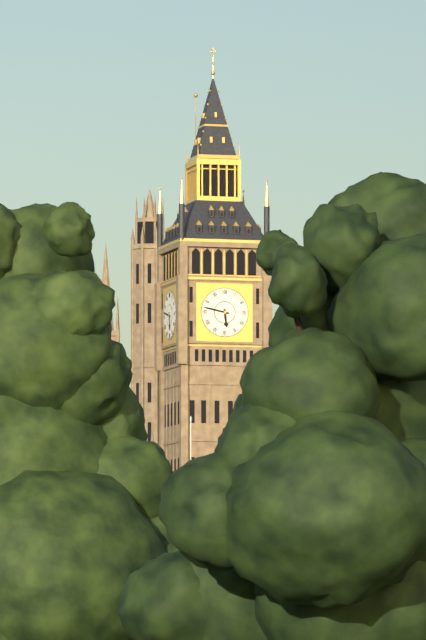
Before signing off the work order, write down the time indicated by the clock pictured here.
5:47
